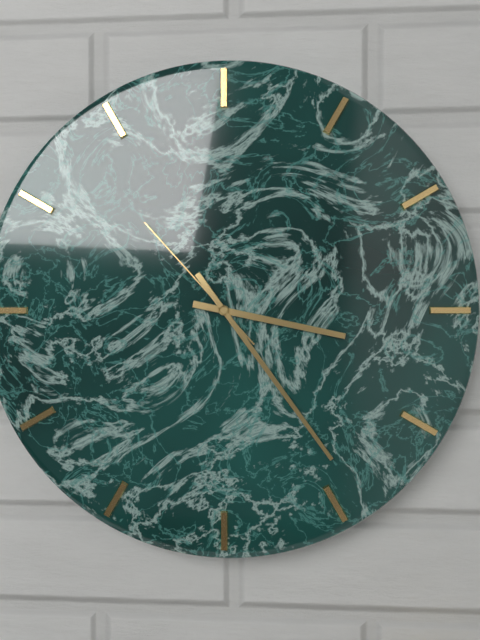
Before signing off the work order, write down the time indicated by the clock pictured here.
3:24:53
